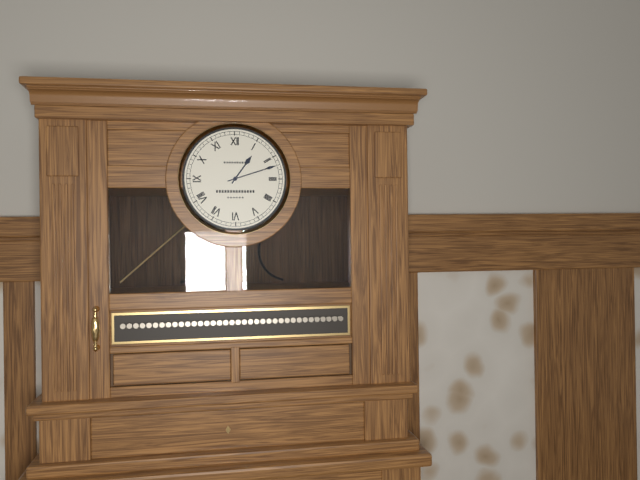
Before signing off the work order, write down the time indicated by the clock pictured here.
1:12
